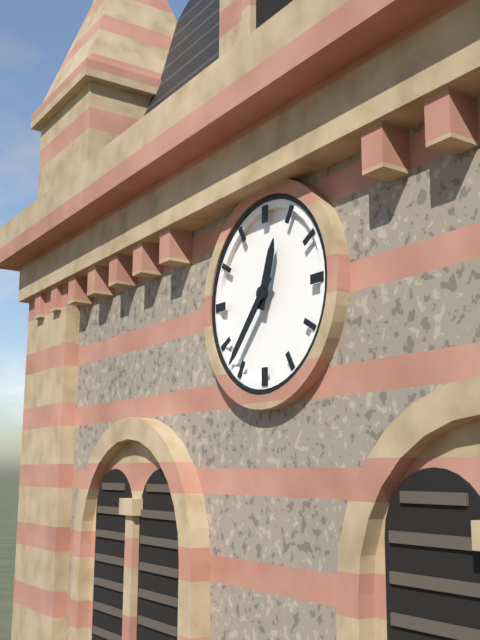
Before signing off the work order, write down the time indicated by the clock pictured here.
12:37
